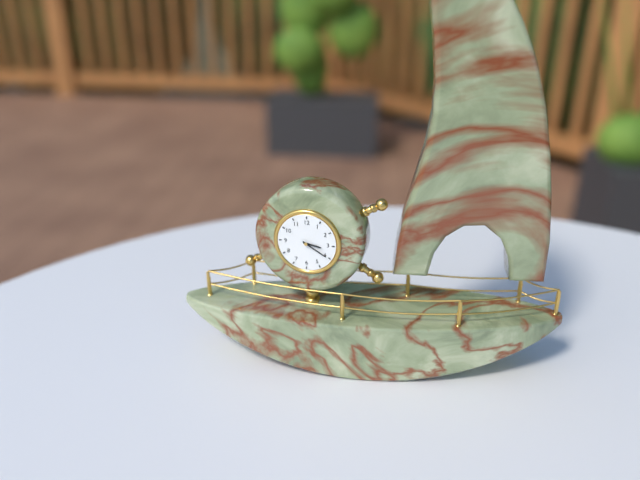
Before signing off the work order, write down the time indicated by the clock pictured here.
3:20
